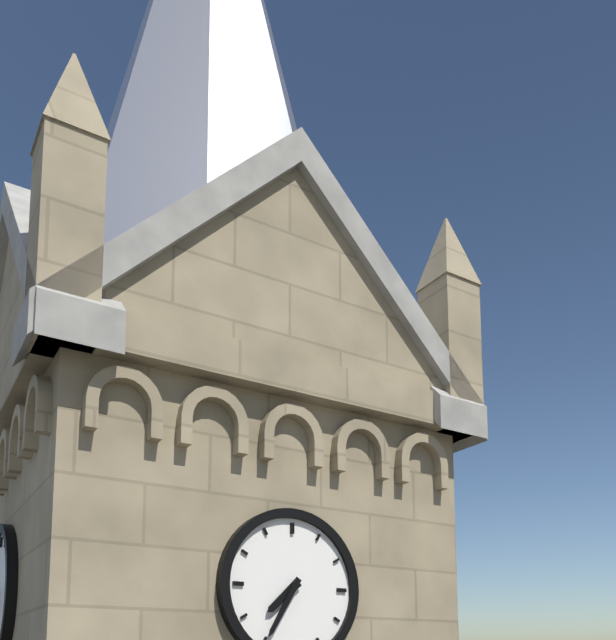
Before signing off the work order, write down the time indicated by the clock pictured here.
7:35
